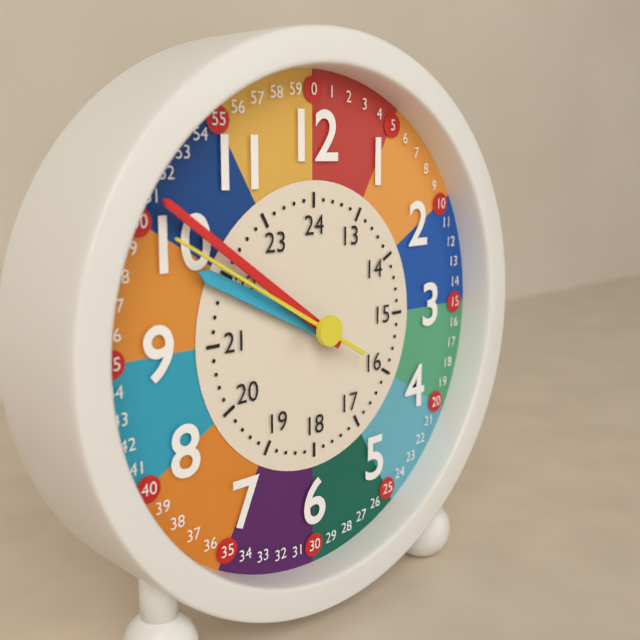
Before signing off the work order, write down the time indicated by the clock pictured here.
9:51:50
